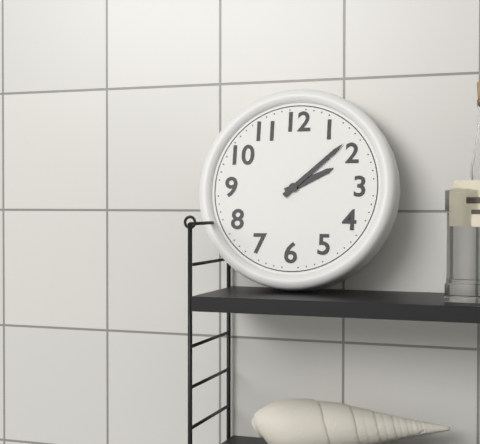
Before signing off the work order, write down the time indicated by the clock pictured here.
2:08
